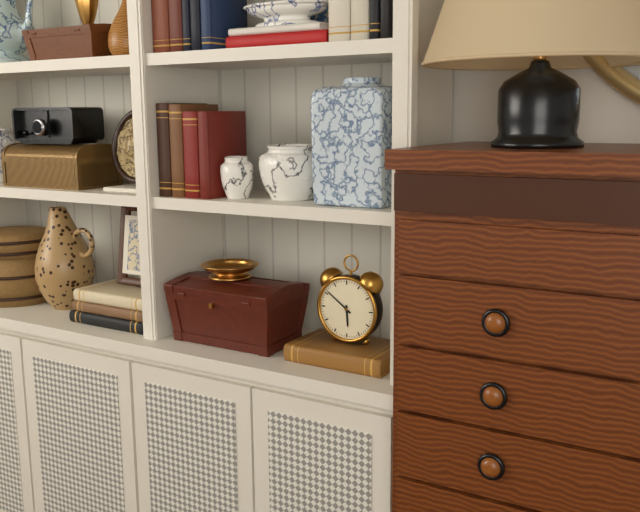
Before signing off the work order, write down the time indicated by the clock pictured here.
5:51
